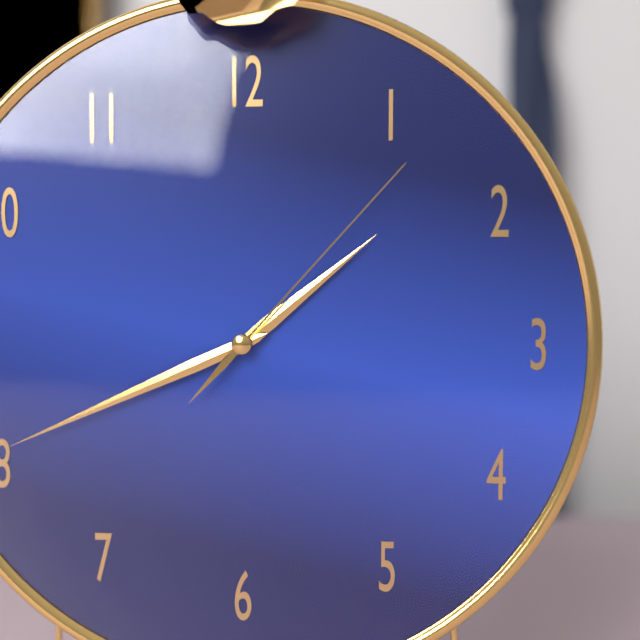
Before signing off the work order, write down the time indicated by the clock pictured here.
1:41:07
